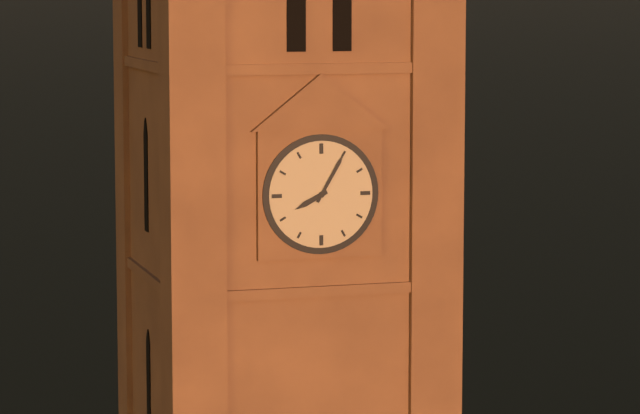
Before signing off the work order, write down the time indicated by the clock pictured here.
8:05
